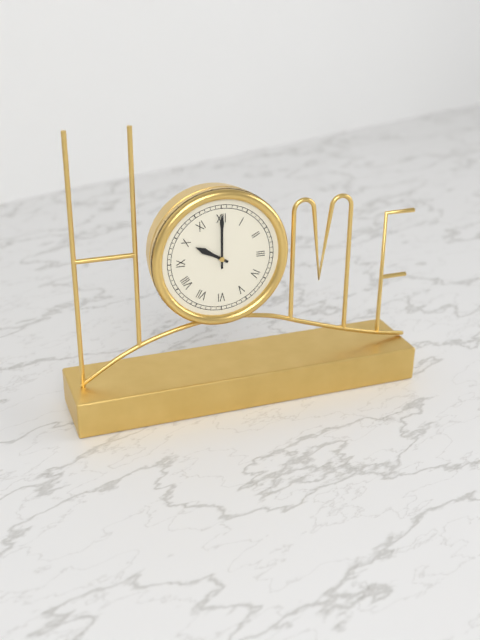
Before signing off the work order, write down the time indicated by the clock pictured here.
10:00
